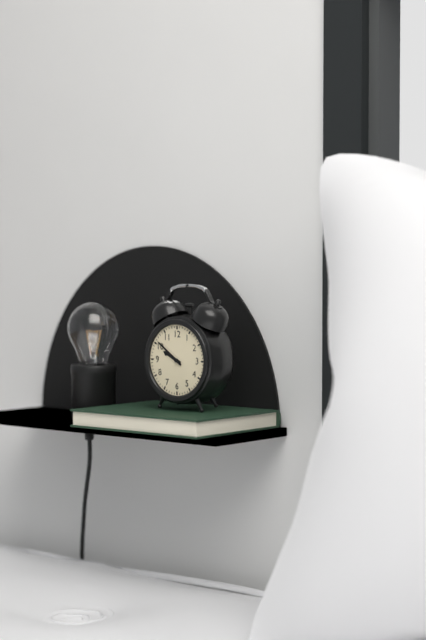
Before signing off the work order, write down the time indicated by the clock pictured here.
9:51
